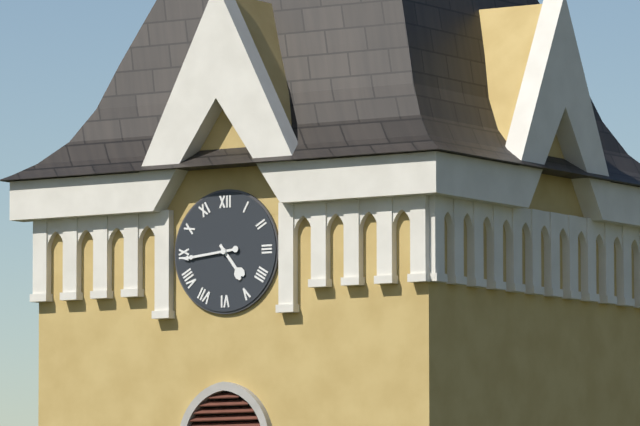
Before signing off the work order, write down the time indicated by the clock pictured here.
4:44
